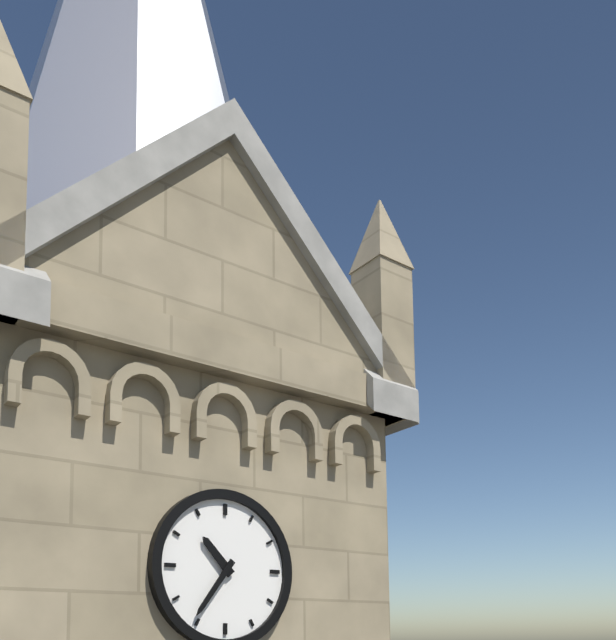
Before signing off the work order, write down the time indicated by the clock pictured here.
10:36
